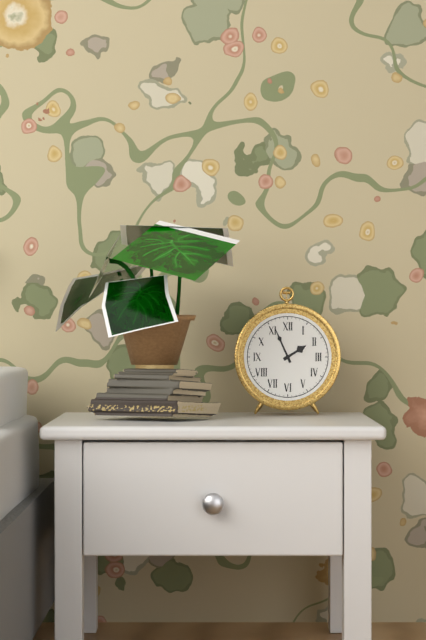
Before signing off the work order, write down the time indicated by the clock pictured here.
1:56
